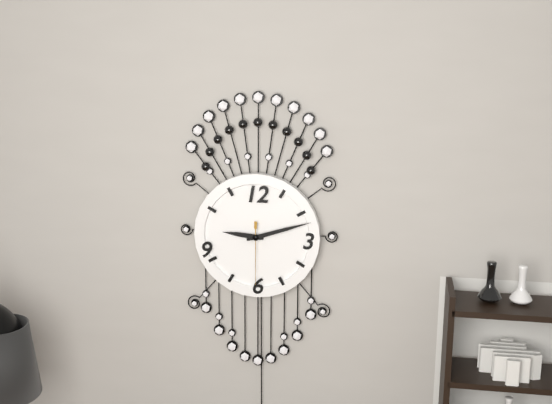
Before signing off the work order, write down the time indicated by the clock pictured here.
9:12:30
